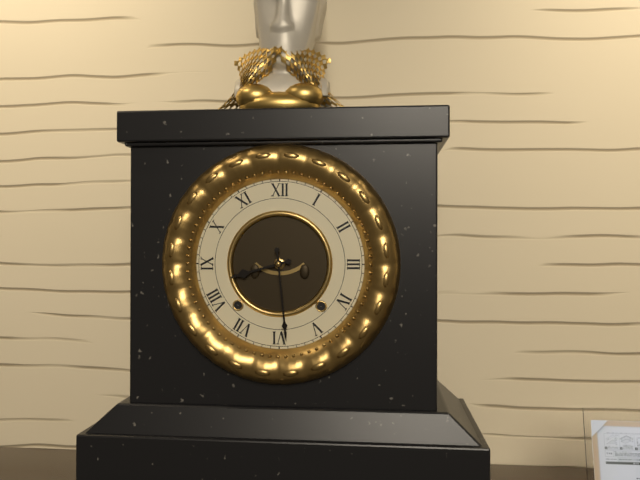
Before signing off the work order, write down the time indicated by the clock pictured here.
8:29
